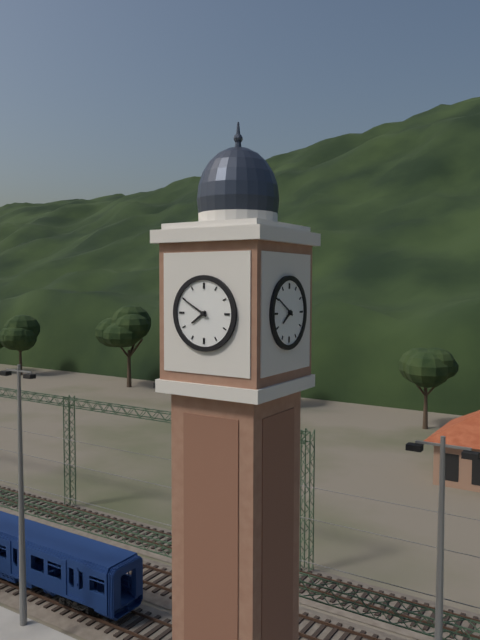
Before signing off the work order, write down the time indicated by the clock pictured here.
7:50
